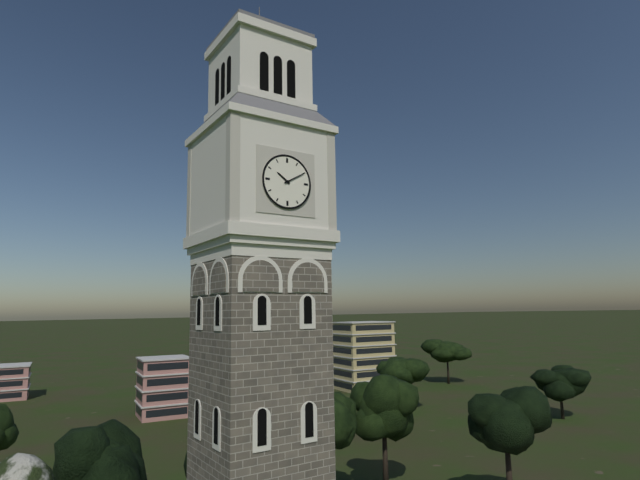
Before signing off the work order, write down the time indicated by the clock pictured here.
10:10
